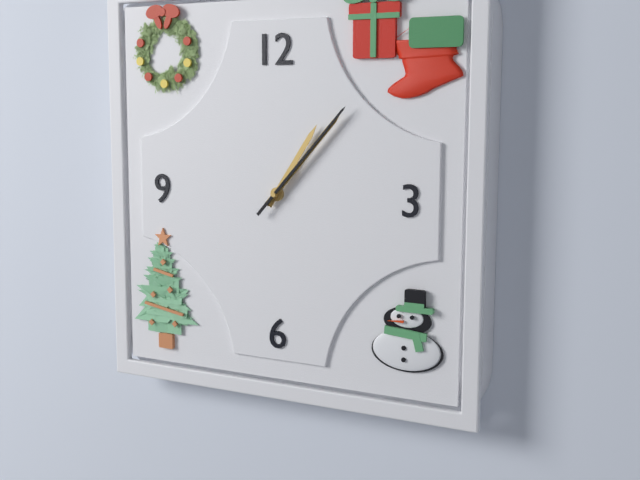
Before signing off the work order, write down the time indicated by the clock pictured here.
1:07:07
